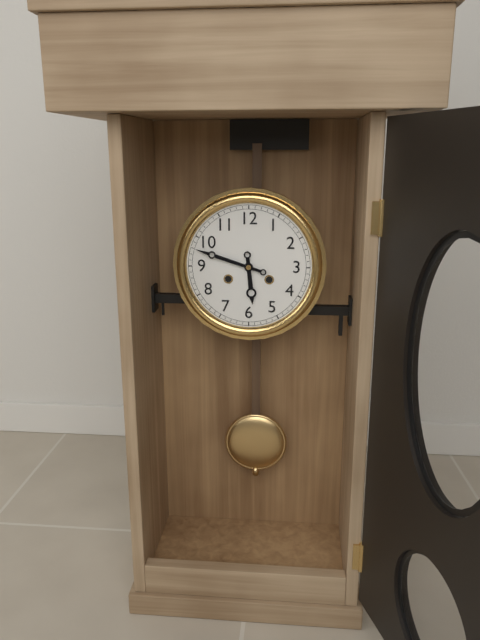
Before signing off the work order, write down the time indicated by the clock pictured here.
5:48
